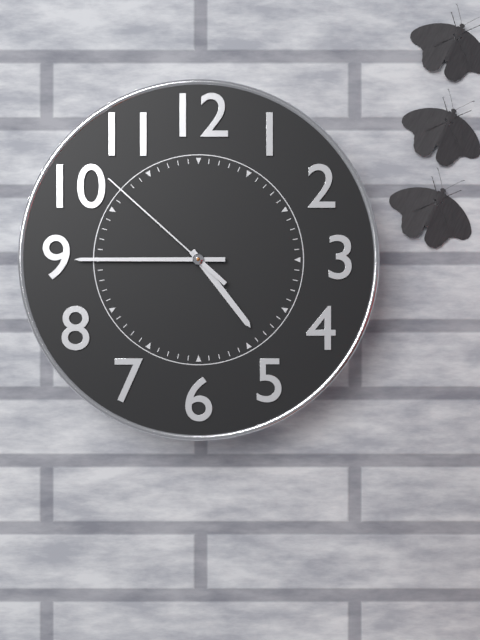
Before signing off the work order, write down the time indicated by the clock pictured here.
4:45:52
